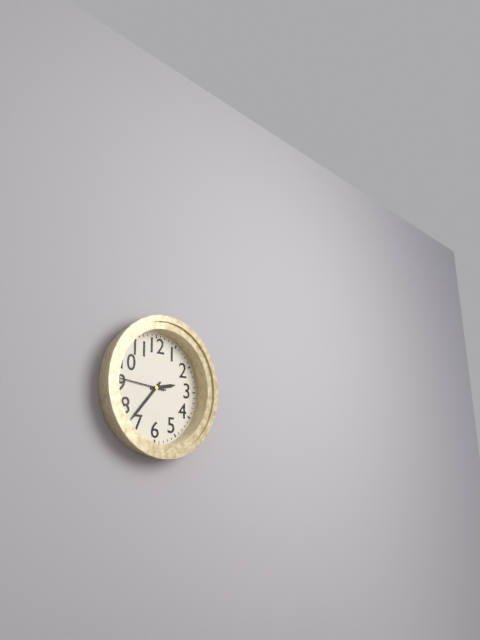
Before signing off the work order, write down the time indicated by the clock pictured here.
2:37:46
